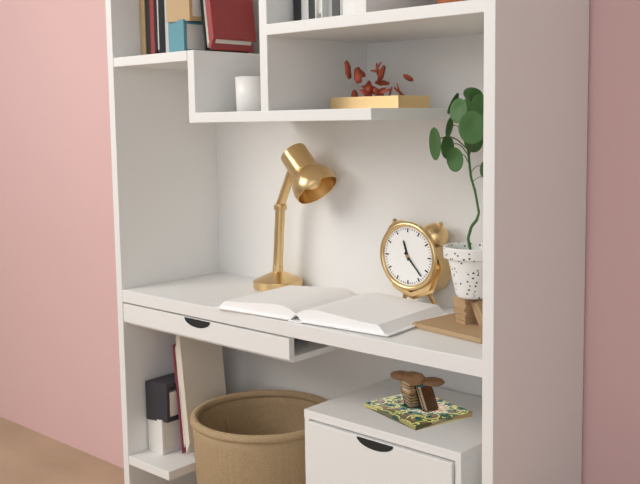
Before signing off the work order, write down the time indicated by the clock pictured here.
11:23
